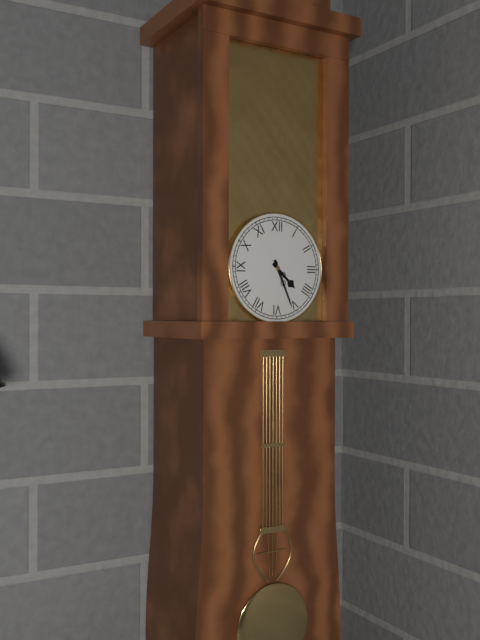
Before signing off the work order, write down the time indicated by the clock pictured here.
4:26
